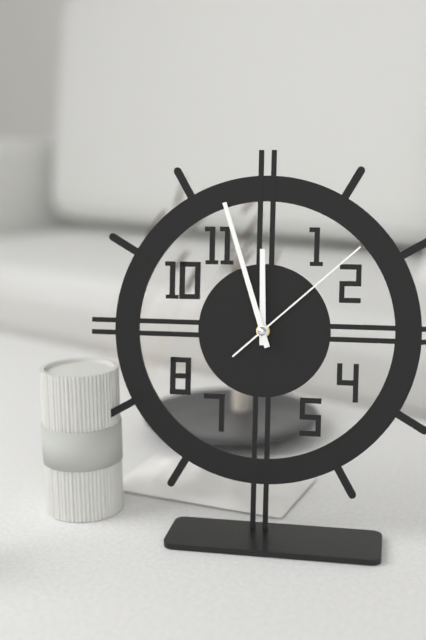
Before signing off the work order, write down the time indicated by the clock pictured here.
11:57:08
